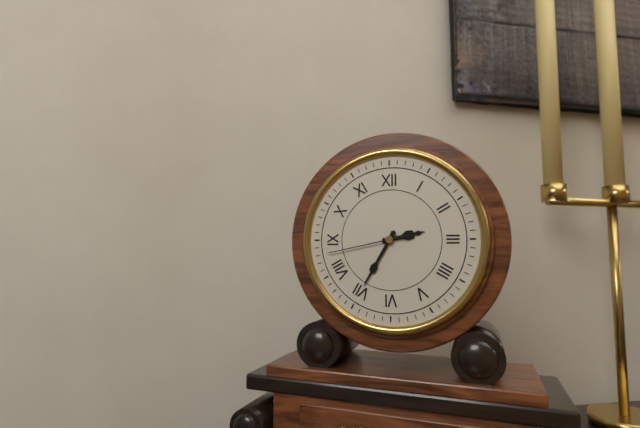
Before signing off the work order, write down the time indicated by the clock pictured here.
2:35:43
